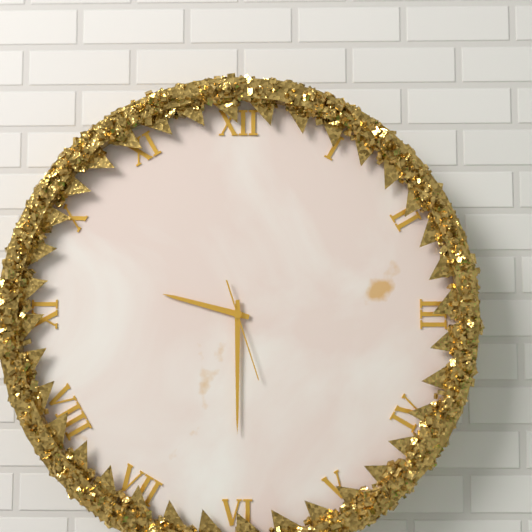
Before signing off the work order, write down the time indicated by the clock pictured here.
9:30:27
